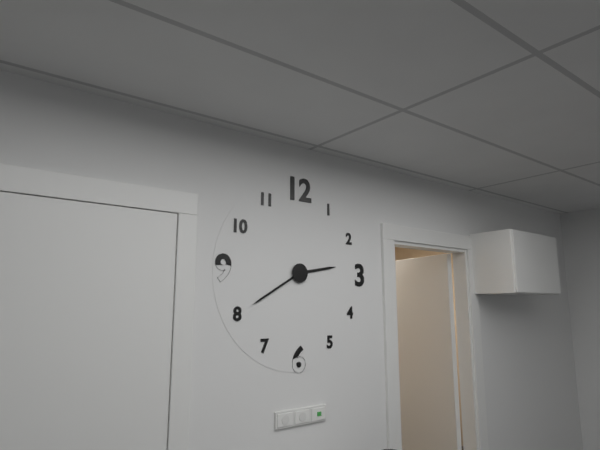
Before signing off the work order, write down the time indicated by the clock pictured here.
2:40
